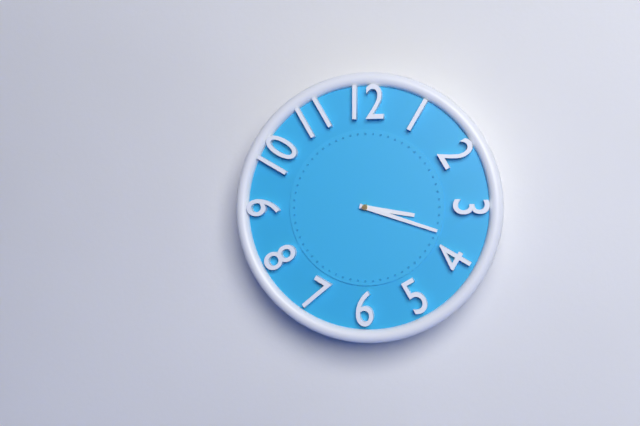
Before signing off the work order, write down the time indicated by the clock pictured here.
3:18
